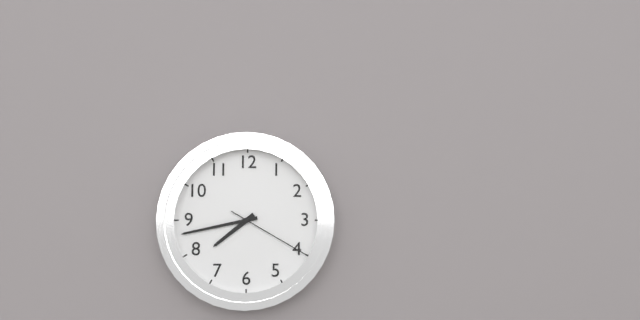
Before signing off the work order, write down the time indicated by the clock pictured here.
7:43:20
